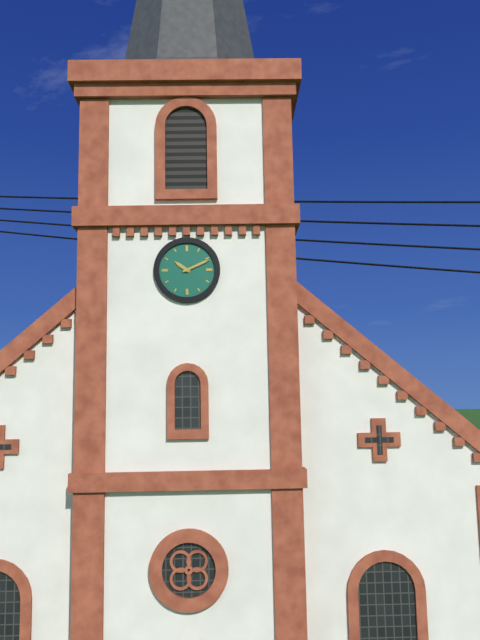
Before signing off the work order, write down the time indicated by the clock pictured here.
10:11
